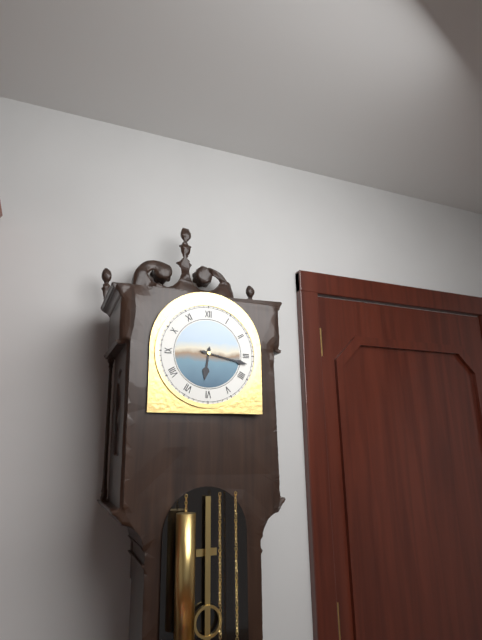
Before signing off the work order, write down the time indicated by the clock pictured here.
6:17
